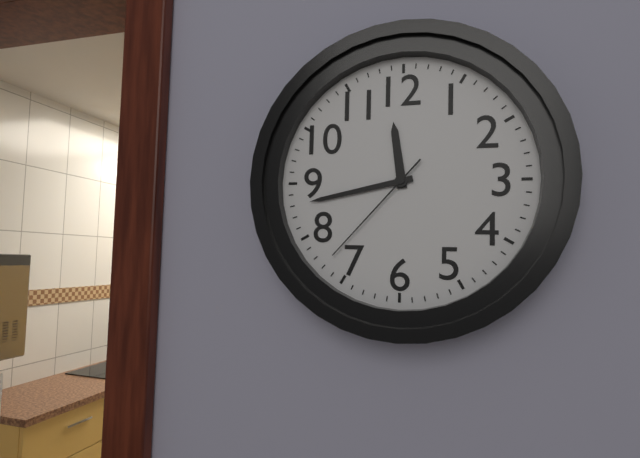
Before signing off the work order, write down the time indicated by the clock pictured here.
11:43:37
